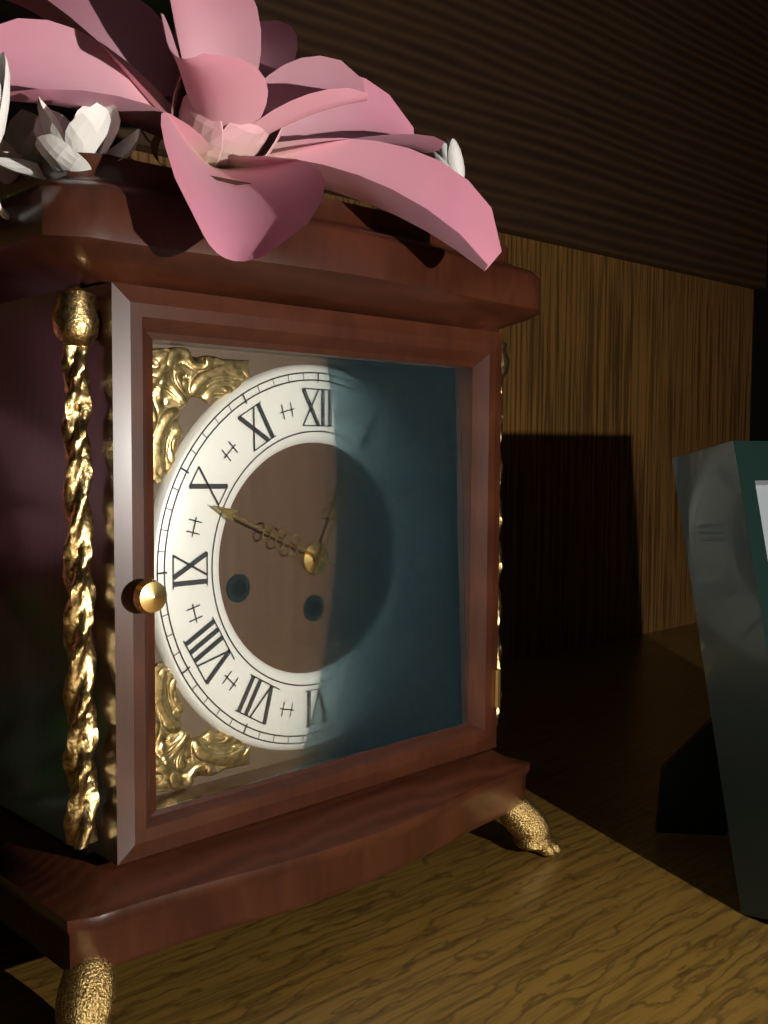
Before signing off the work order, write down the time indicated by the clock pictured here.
12:49
